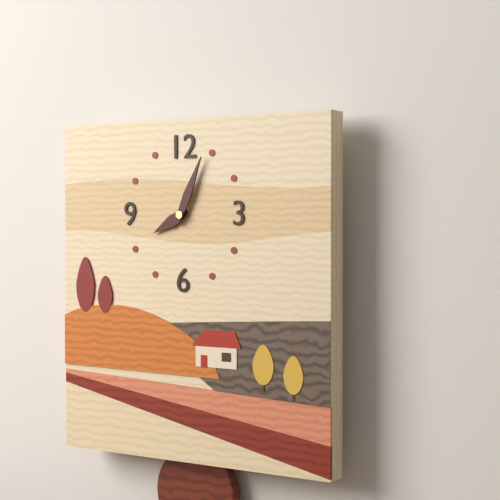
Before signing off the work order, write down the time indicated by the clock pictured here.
8:04
